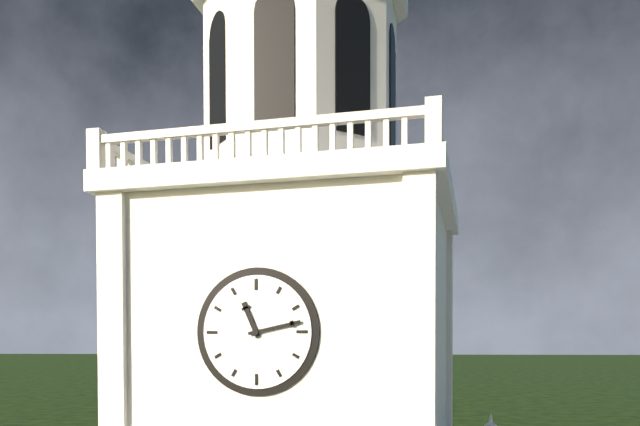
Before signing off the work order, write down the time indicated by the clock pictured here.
11:13
